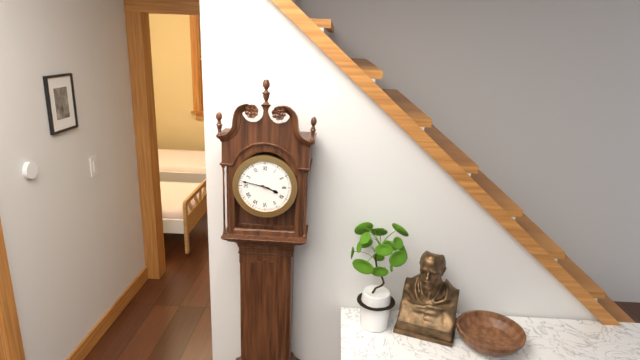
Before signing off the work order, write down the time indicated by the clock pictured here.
3:47
